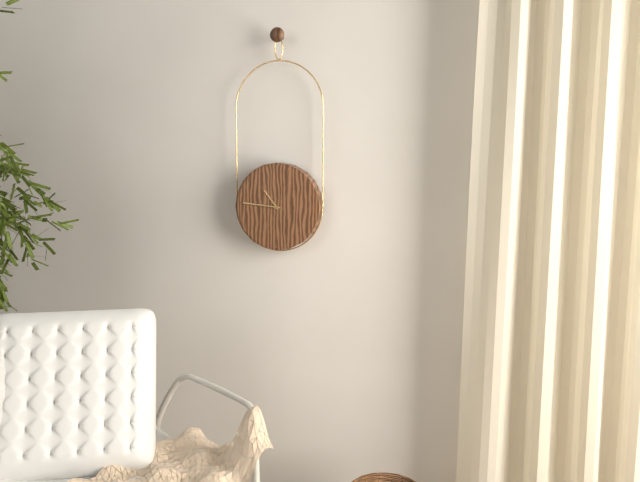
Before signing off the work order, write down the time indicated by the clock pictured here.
10:46
